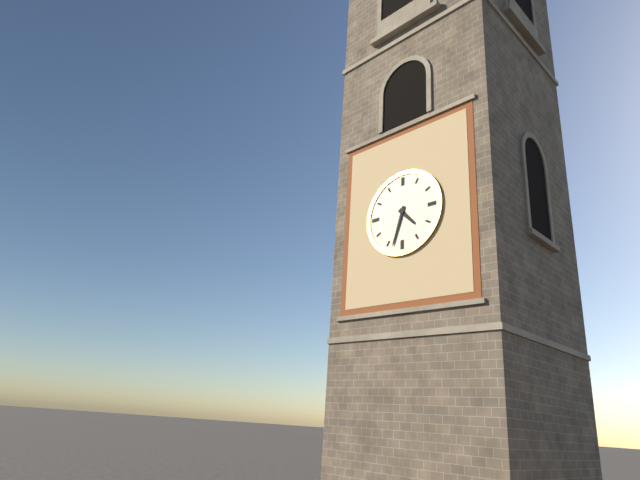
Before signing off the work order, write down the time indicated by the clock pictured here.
4:33
